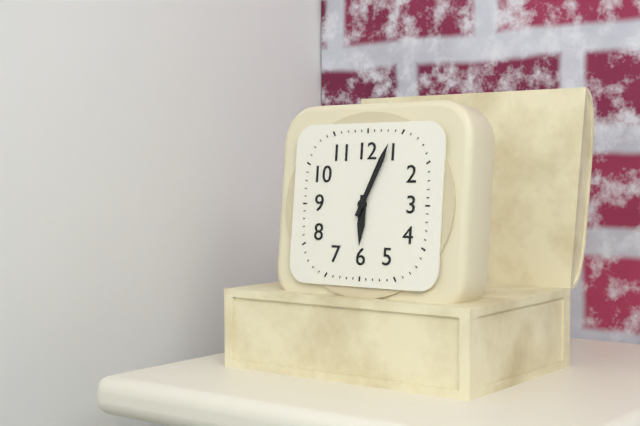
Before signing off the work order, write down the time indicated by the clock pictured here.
6:04
